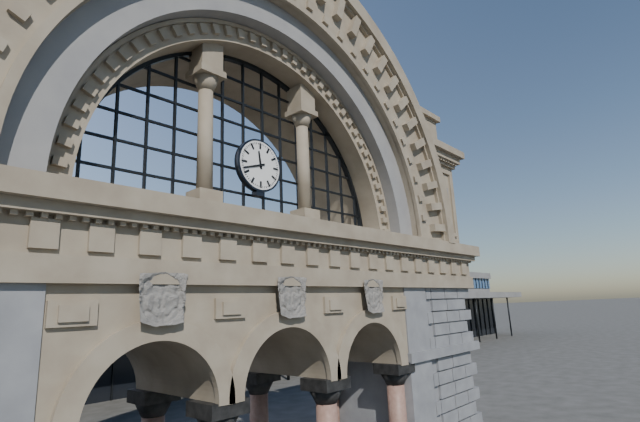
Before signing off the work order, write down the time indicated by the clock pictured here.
11:42
